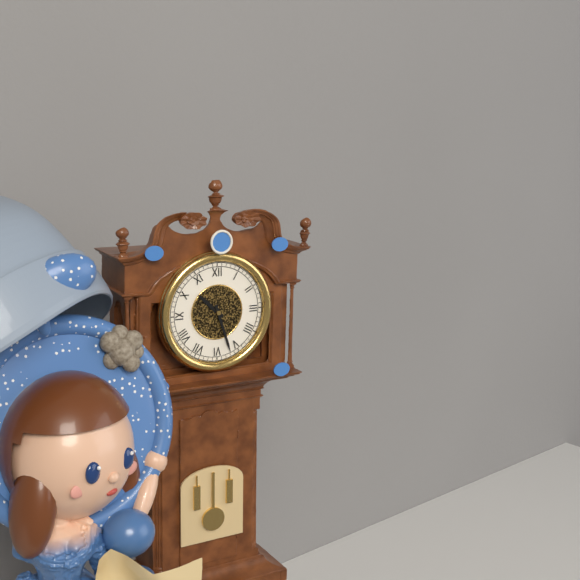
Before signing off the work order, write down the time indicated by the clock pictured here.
10:27
